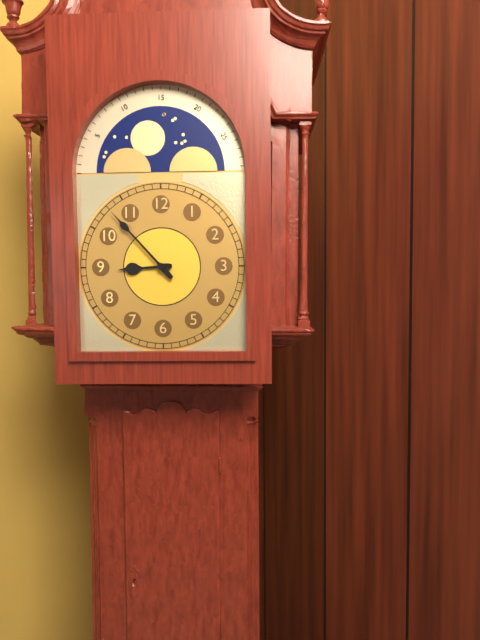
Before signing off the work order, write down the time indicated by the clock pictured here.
8:53
